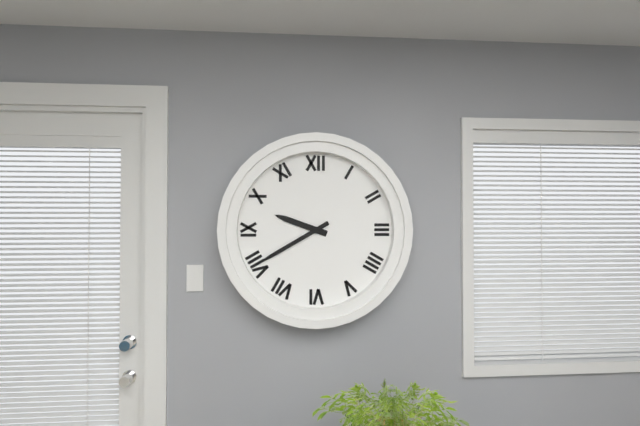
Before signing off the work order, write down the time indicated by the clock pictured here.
9:40
